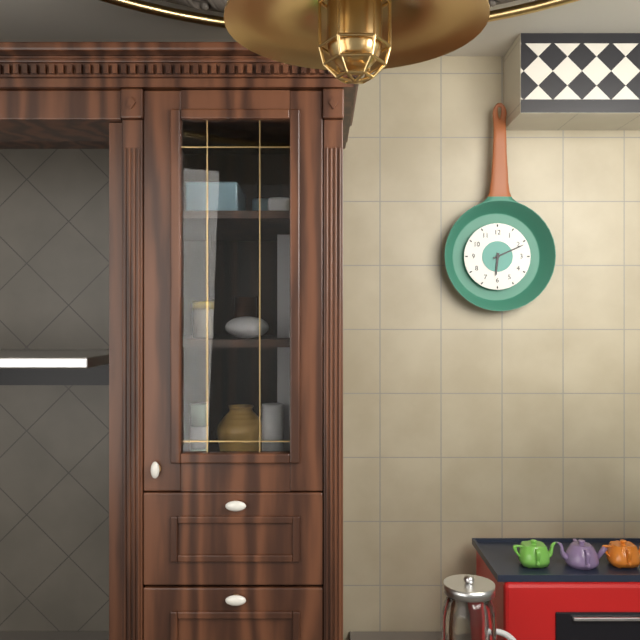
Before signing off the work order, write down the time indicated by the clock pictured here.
6:11
